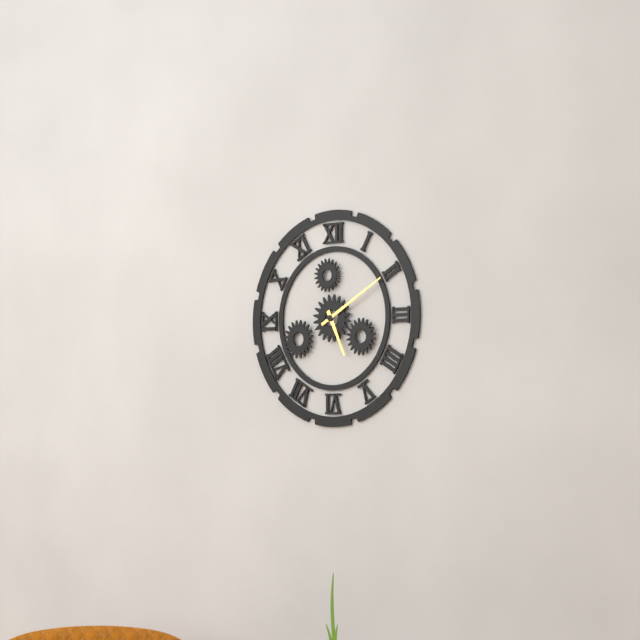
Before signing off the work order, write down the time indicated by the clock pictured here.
5:10
